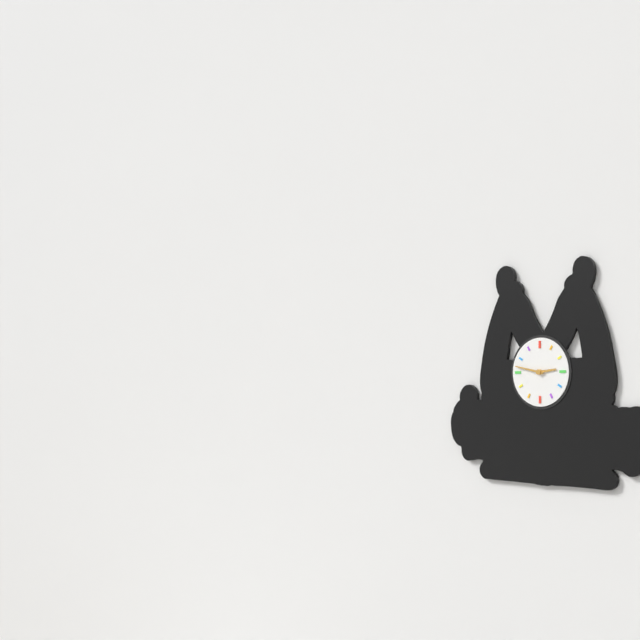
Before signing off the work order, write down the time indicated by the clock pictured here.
2:47
